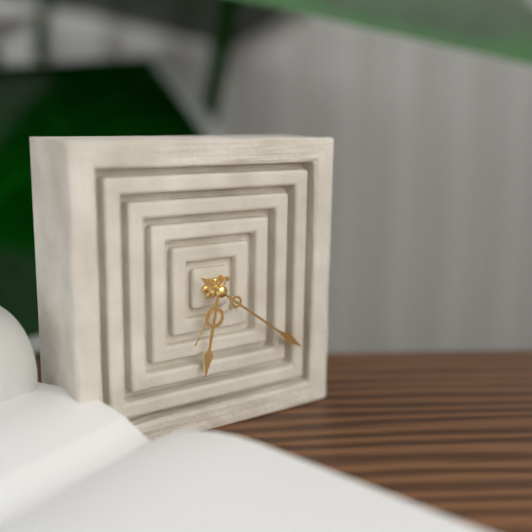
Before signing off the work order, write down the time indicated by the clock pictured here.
6:21:35
